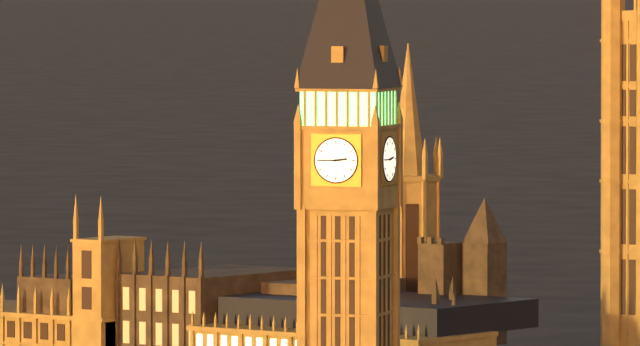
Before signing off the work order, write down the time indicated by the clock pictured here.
2:45
